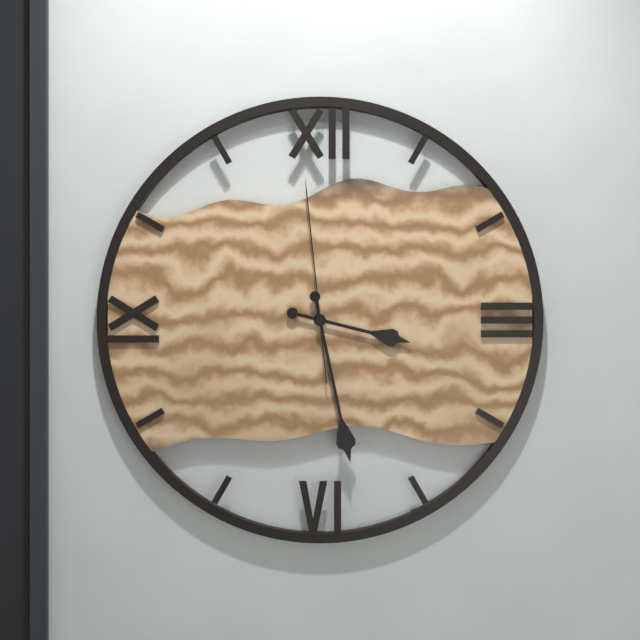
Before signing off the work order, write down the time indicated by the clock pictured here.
3:28:59
